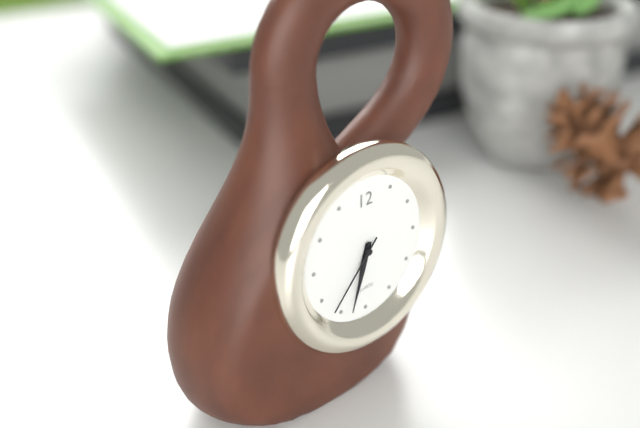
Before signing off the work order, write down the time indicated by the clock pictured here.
6:33:37
